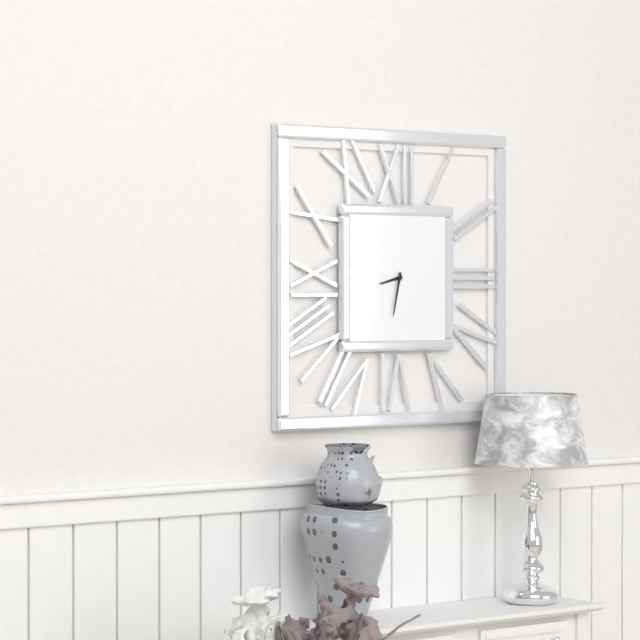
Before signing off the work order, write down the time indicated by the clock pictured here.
8:32
